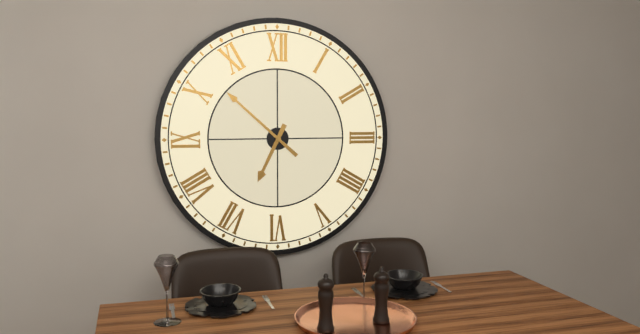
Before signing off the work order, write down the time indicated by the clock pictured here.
6:52
